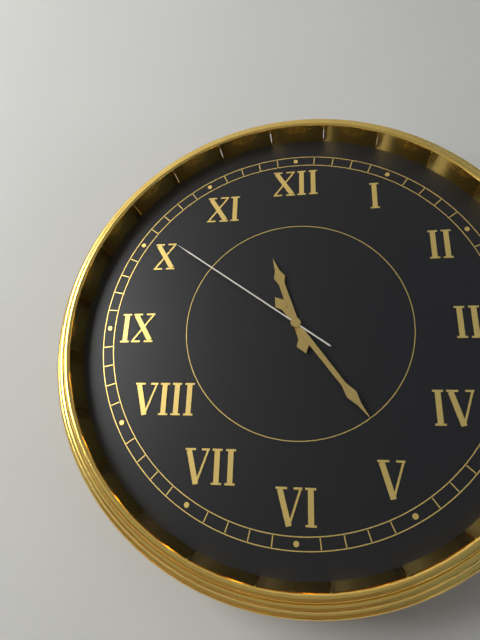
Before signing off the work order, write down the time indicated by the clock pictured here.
11:24:51
